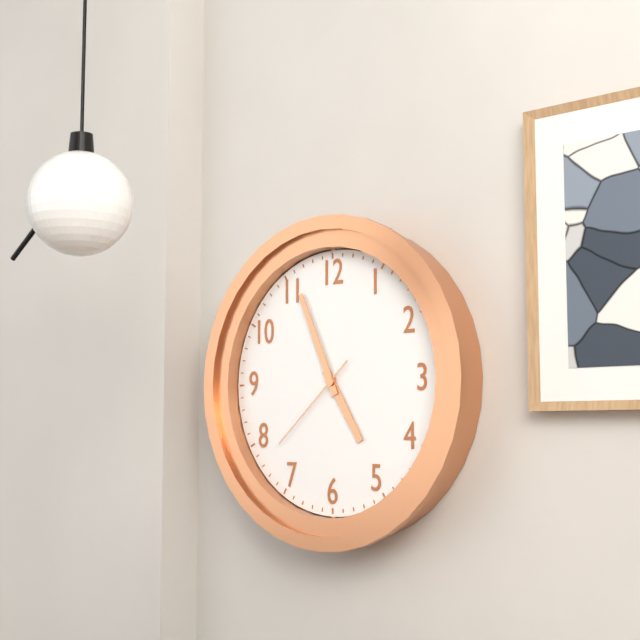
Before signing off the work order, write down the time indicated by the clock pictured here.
4:56:38
